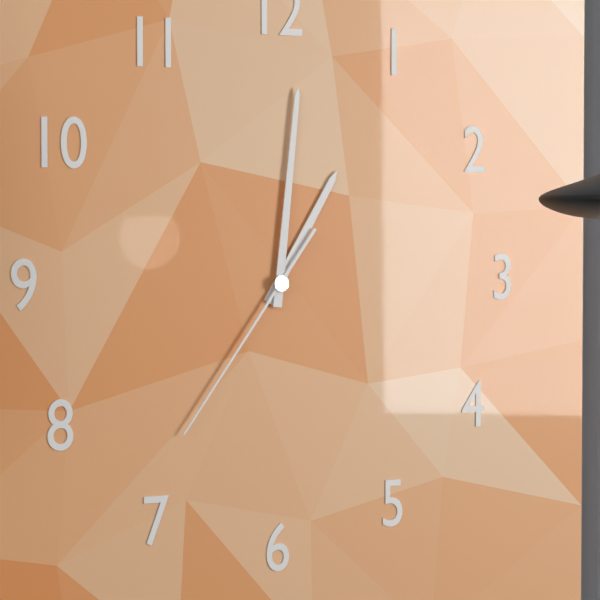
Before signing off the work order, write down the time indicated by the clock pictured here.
1:01:36
